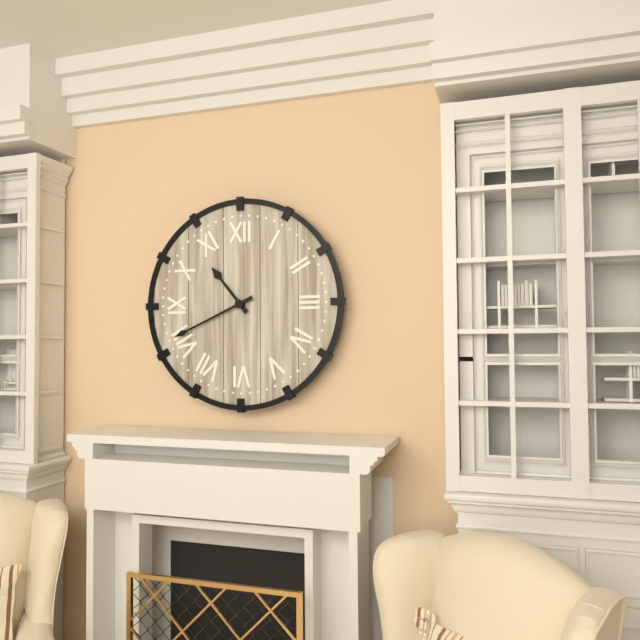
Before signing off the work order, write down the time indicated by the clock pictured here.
10:41
